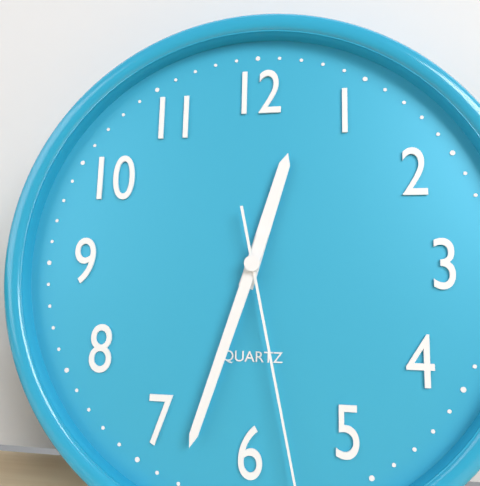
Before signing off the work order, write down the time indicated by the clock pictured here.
12:33
